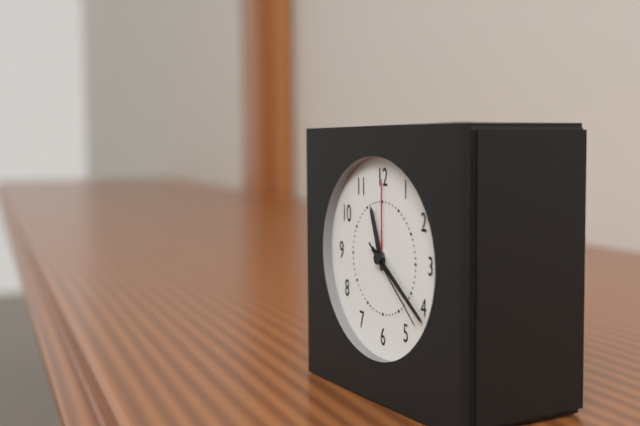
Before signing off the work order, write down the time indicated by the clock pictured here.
11:21:22
